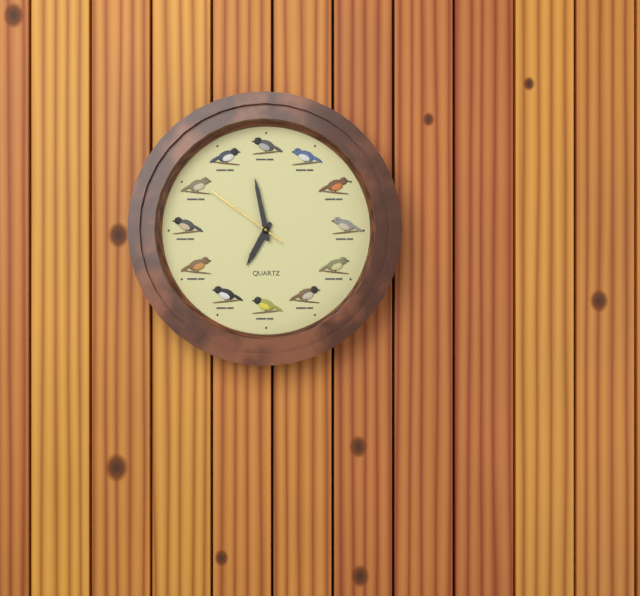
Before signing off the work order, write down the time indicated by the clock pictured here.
6:58:51
